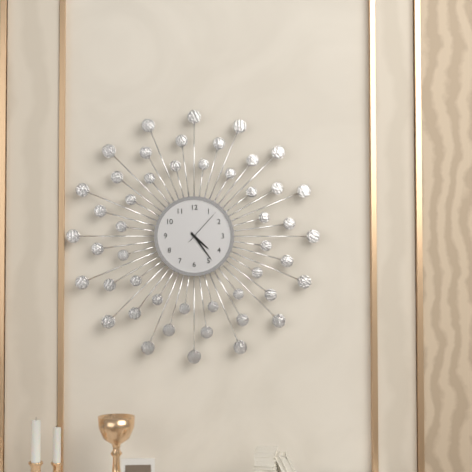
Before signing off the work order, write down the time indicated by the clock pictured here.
4:24
